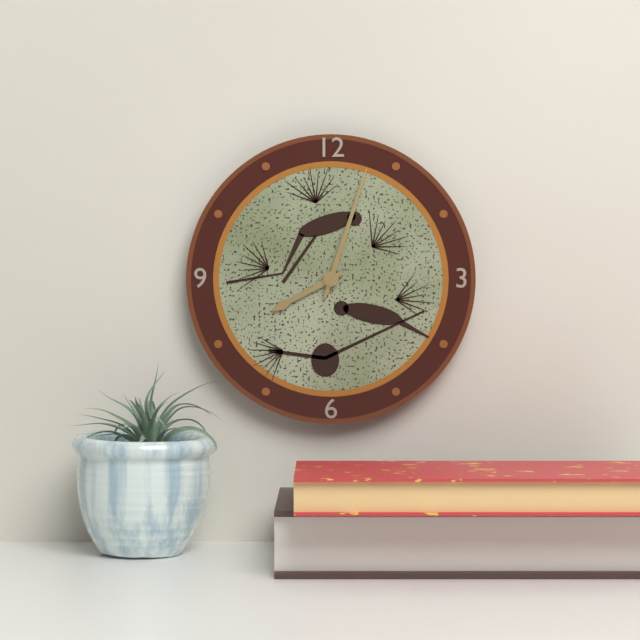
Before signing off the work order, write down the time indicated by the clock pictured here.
8:03
